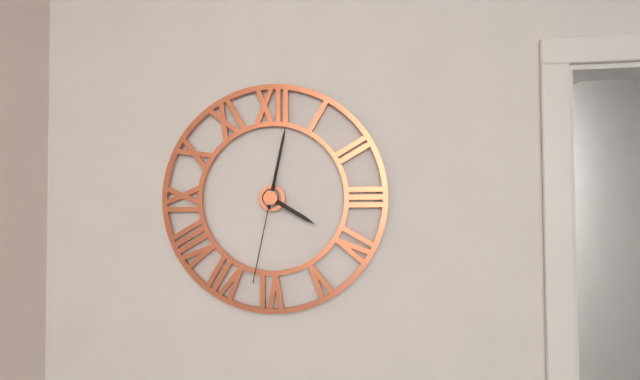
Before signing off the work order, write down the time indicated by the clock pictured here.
4:02:32
